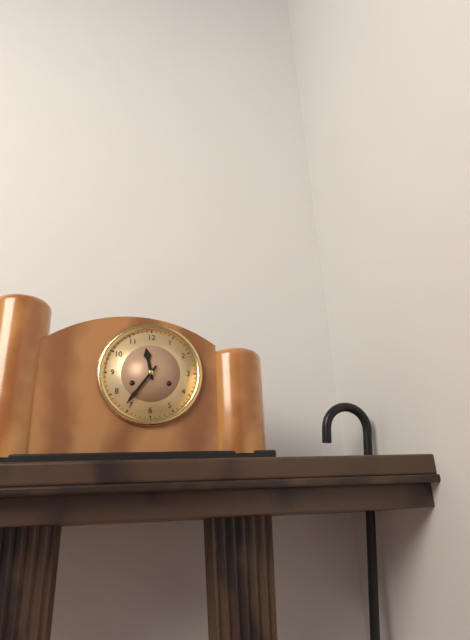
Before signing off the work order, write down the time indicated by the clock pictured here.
11:36
